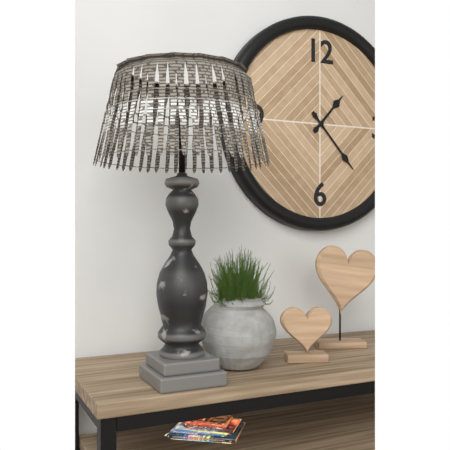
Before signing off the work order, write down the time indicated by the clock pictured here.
1:23
